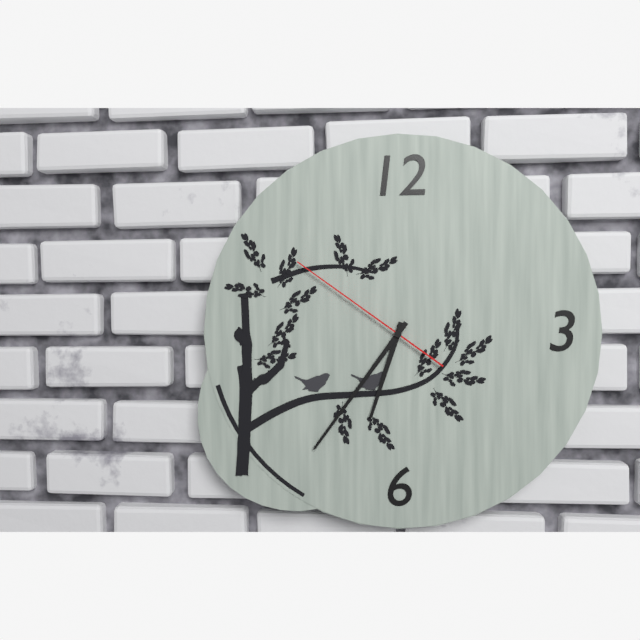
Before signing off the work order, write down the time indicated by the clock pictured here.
6:36:51
